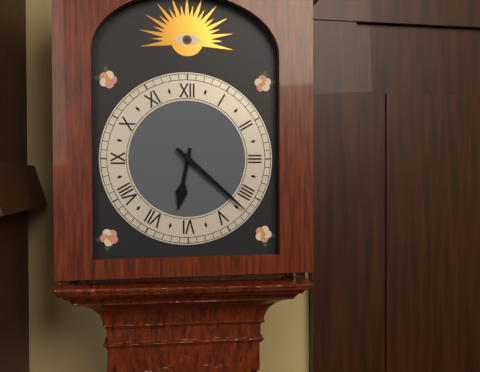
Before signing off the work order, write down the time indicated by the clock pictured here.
6:22
